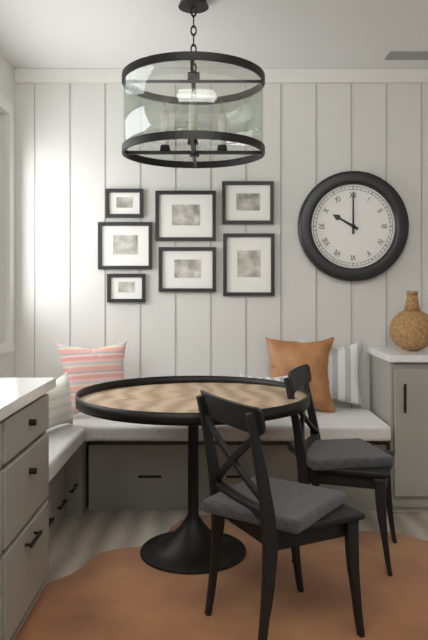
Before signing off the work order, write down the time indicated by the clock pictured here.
10:00
